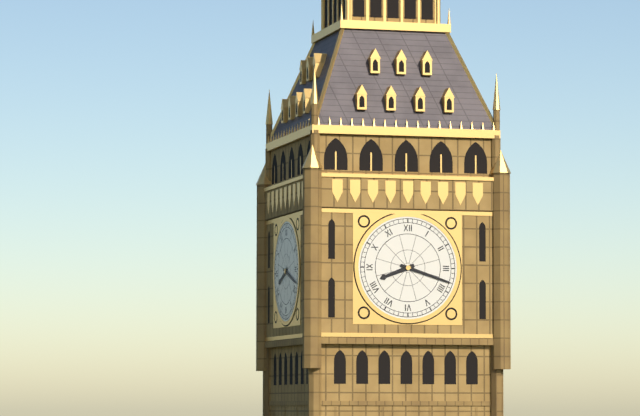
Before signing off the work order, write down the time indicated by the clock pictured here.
8:18
